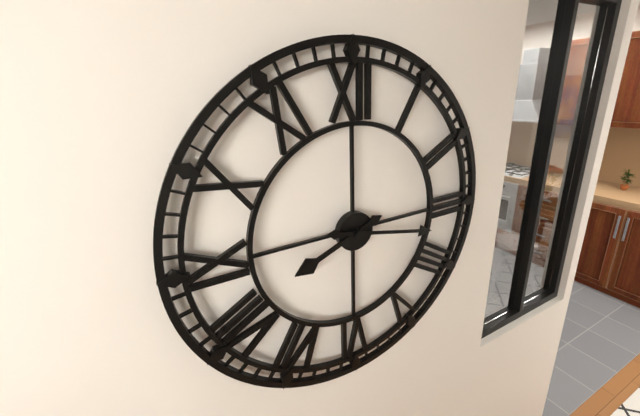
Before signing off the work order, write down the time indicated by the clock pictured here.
8:17
